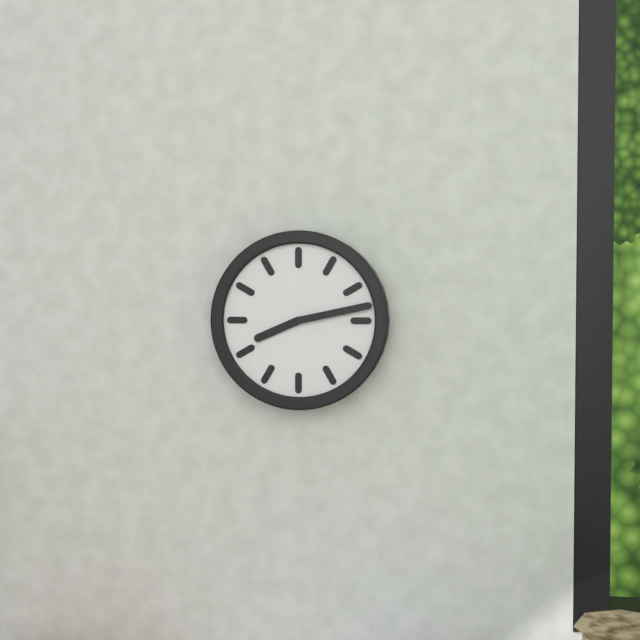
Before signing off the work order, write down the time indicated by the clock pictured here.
8:13
